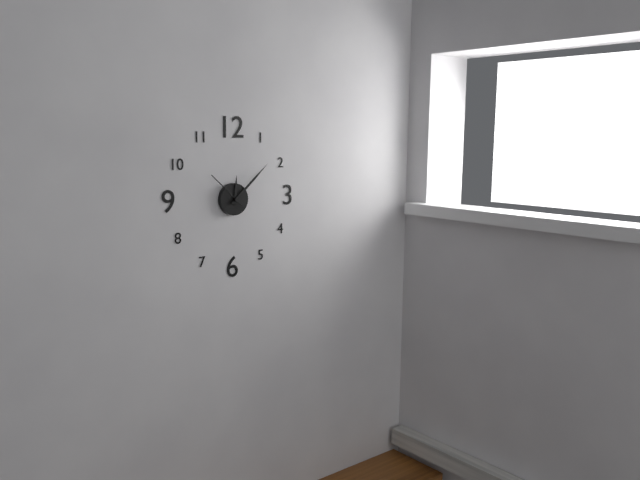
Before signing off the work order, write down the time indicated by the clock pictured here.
12:08
